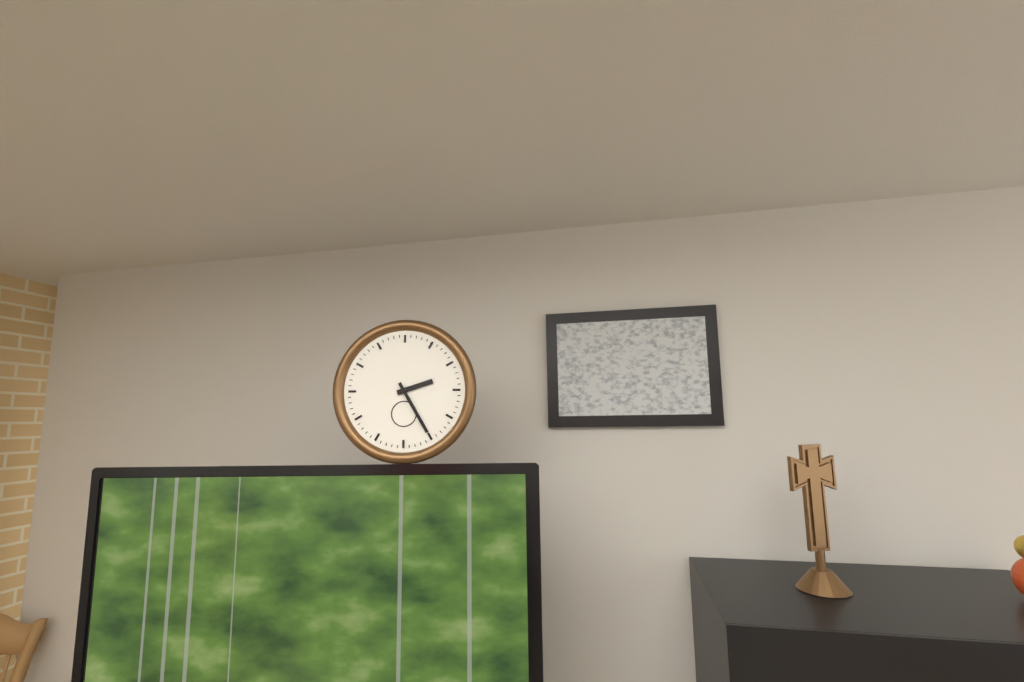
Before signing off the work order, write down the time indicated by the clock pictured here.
2:25
